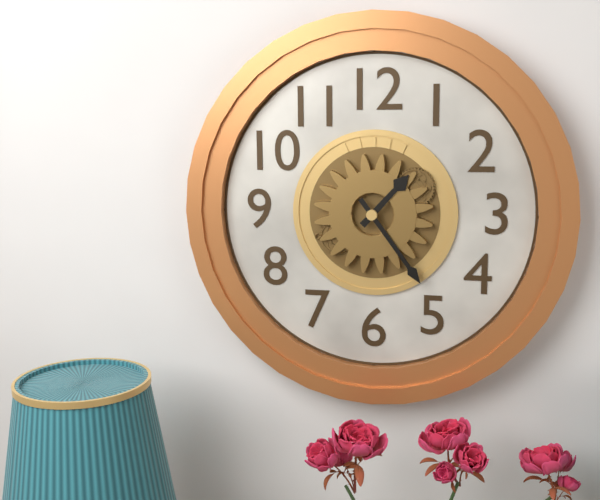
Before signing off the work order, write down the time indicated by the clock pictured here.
1:24
